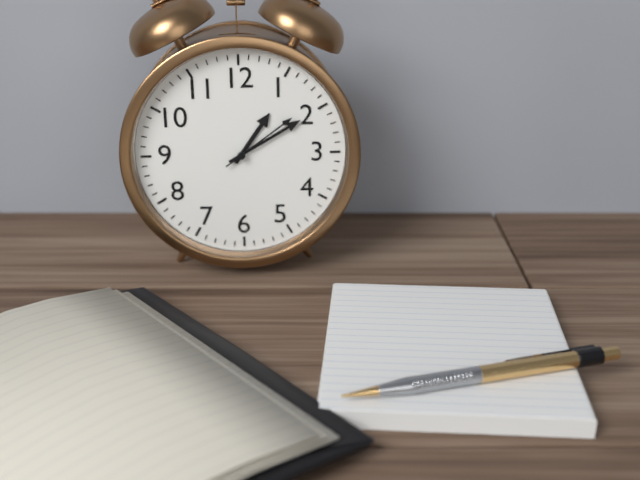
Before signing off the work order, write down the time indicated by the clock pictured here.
1:10:09
